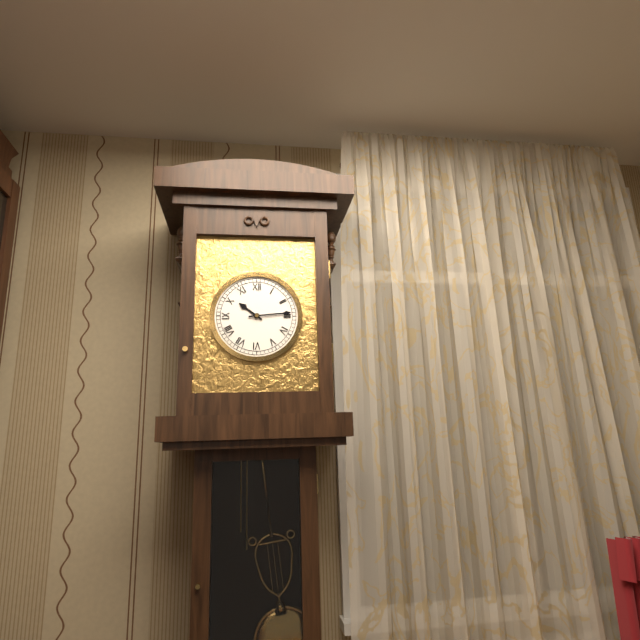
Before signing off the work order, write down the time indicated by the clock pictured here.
10:14
